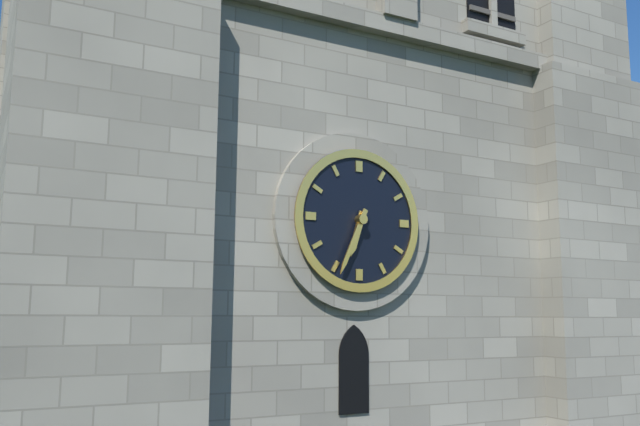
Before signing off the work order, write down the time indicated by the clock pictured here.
6:34
